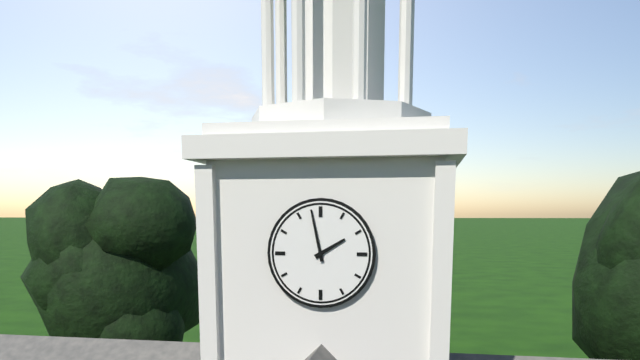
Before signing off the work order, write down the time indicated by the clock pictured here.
1:58
